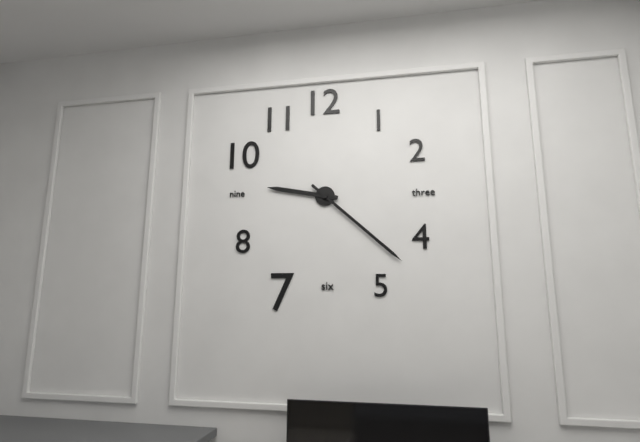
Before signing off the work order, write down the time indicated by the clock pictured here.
9:22
